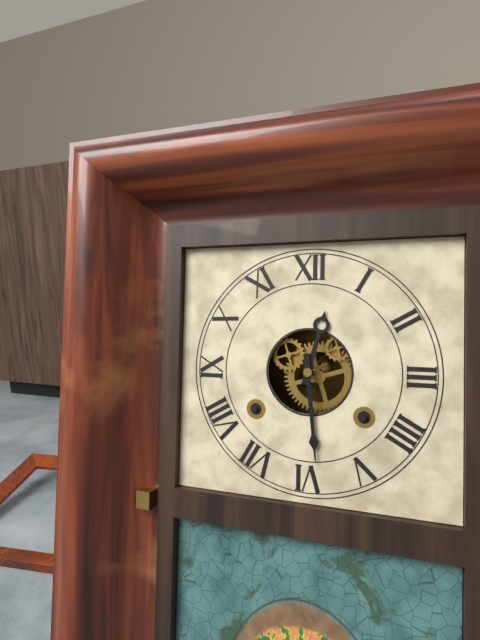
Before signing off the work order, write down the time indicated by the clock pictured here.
12:29
